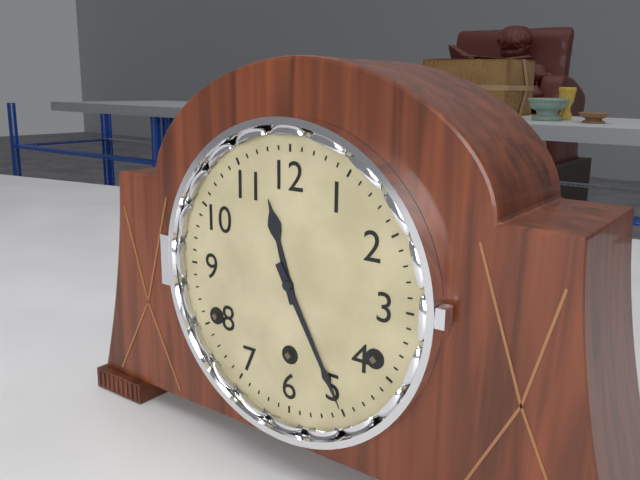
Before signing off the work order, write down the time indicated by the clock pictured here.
11:25
